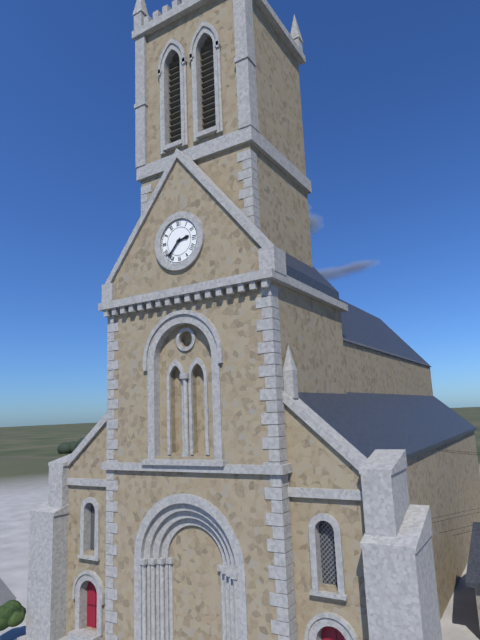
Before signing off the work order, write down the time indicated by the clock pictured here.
2:37
